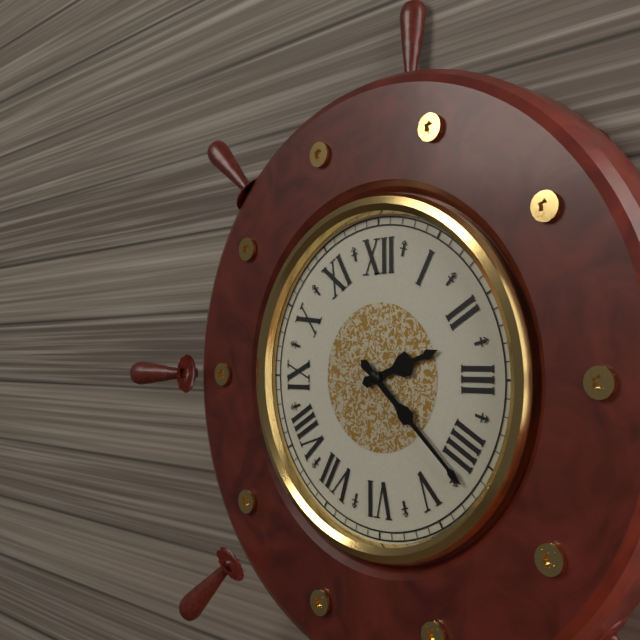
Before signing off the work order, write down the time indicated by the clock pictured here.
2:22
